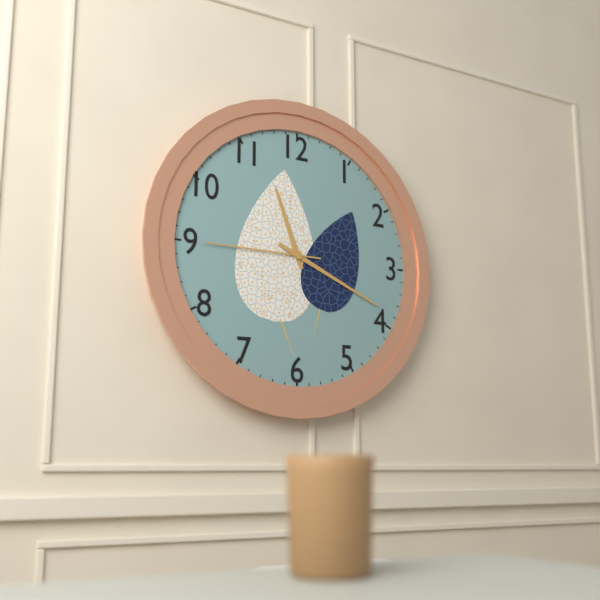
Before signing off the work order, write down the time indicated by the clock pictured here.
11:19:45
